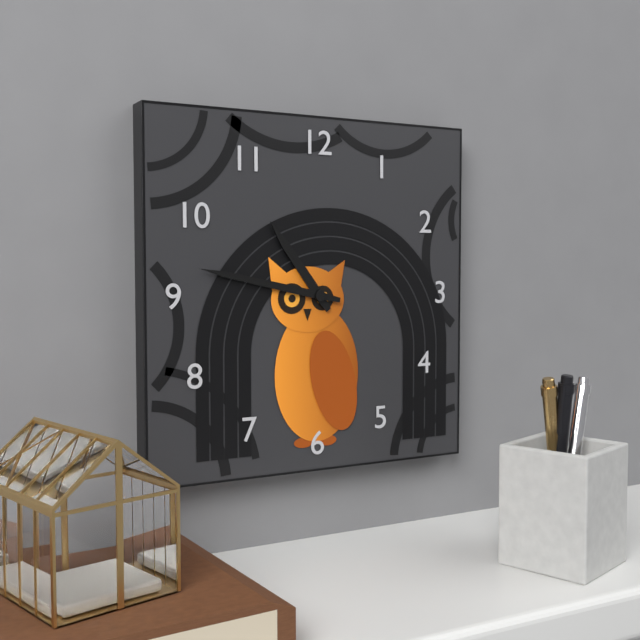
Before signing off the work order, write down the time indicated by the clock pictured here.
10:47
